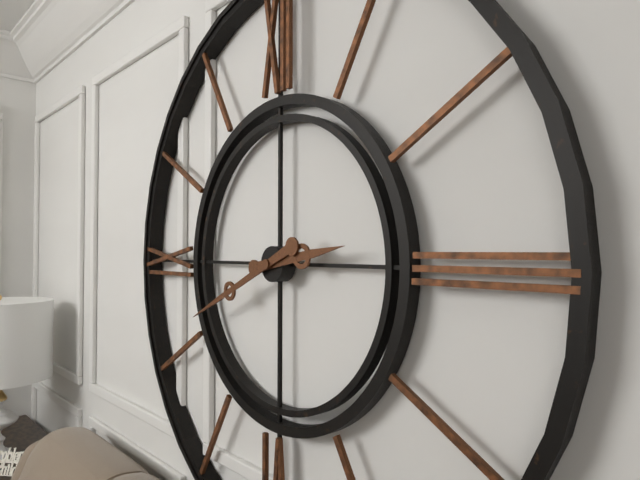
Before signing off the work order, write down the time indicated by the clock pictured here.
2:41
